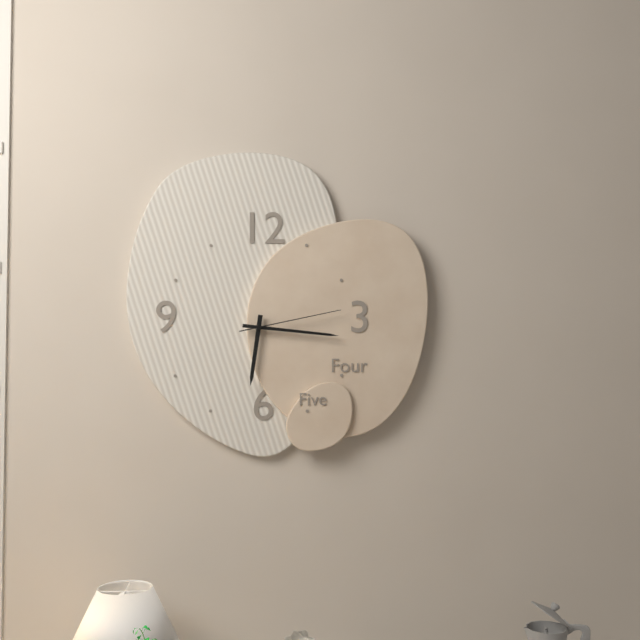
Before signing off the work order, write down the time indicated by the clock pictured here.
6:16:13
